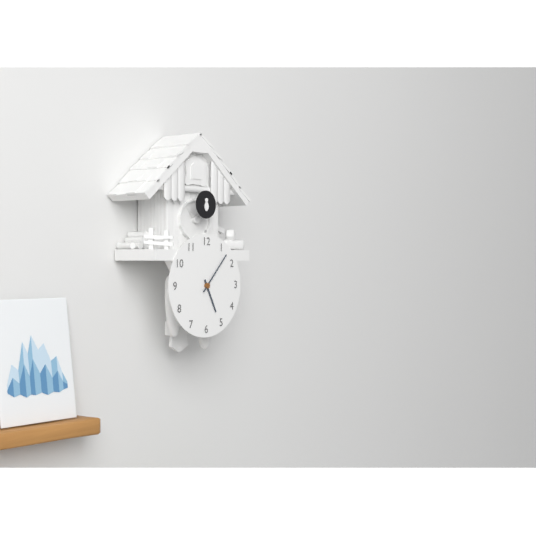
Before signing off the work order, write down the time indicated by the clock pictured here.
5:07
